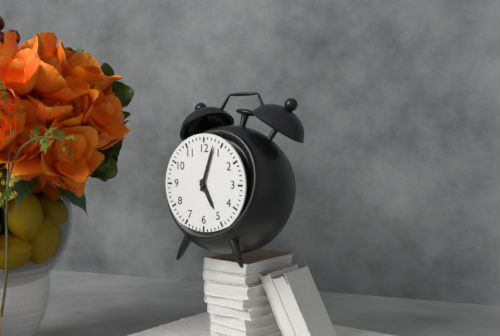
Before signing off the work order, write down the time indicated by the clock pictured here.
5:03
